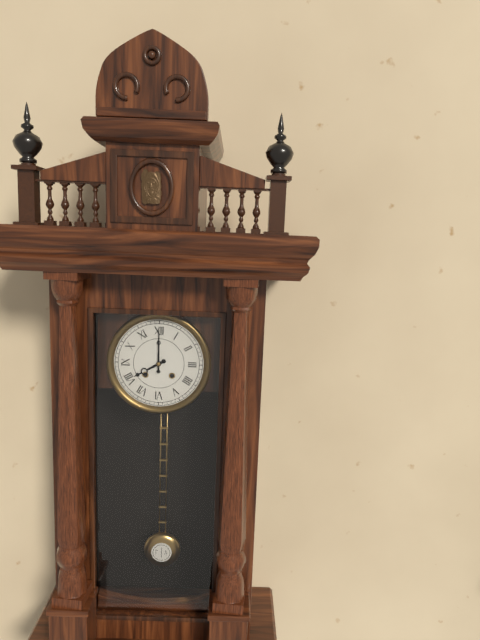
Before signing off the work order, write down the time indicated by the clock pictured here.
8:00
